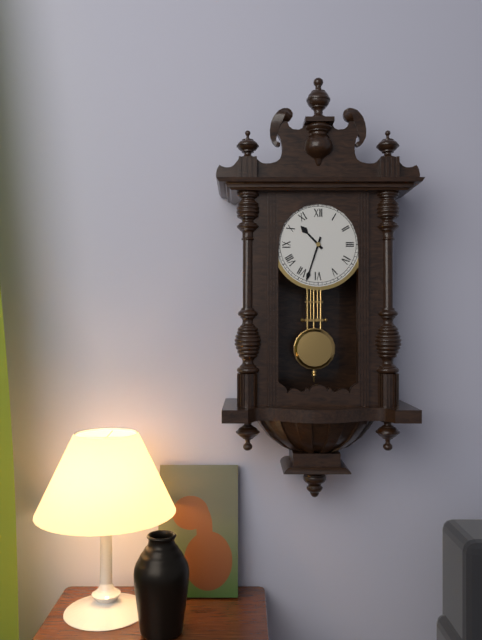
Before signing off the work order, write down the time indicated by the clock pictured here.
10:33
